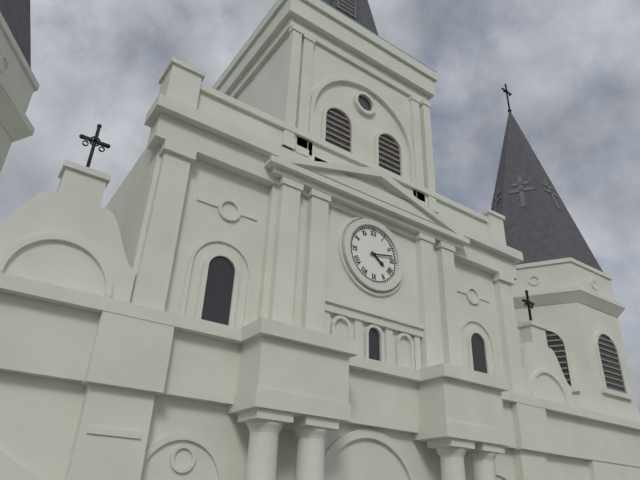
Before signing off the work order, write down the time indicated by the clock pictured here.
4:13
